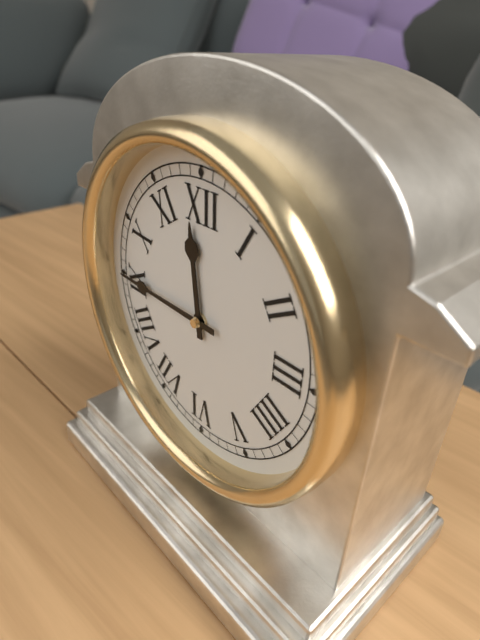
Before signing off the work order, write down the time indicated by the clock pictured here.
11:45
